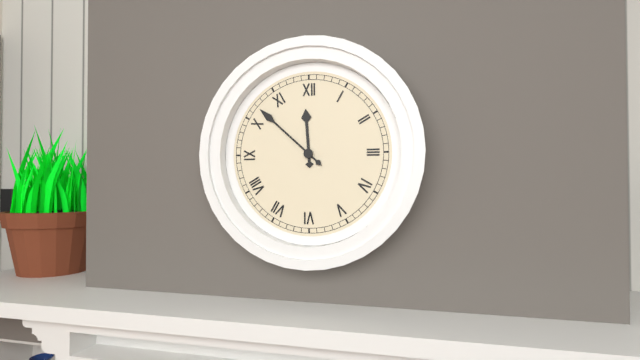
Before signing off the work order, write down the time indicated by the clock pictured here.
11:52
